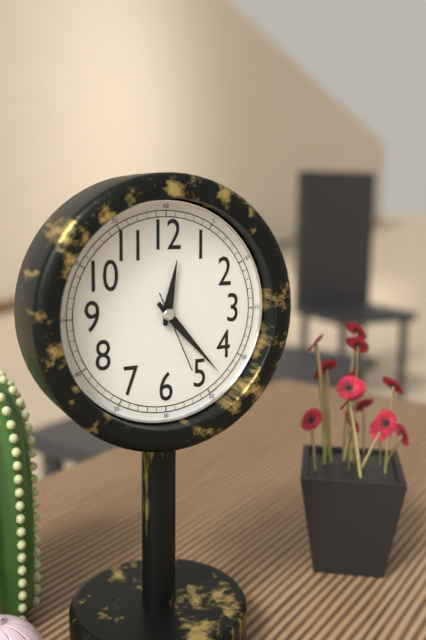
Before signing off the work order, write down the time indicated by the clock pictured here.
12:23:26
